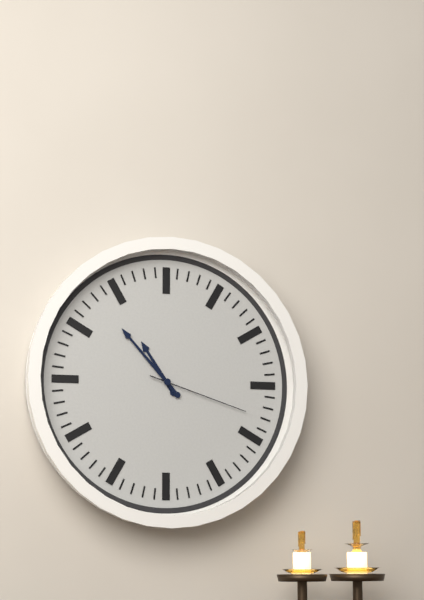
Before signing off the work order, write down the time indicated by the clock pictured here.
10:53:18
